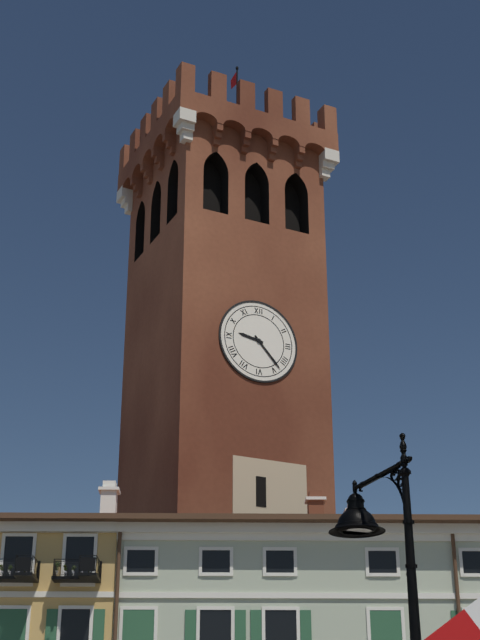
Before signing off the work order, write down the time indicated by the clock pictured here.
9:23
